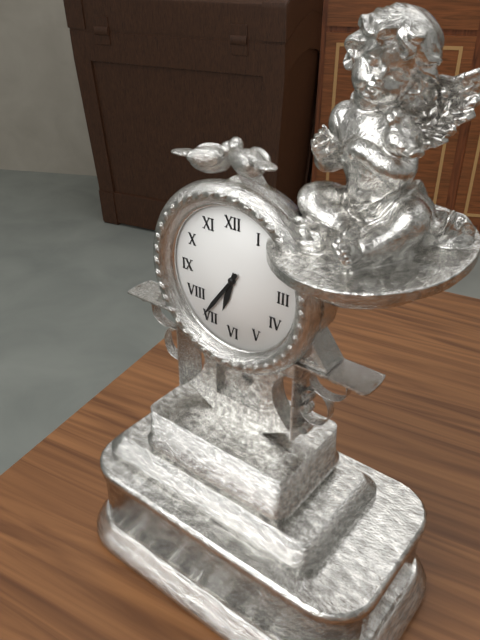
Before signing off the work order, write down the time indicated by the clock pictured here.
6:36
